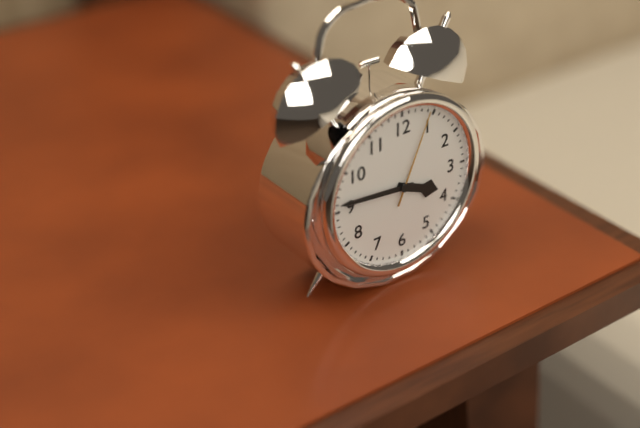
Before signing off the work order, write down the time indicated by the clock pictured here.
3:46:04
